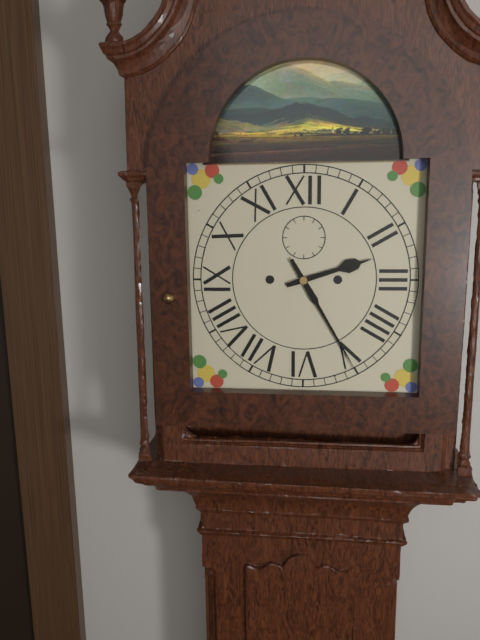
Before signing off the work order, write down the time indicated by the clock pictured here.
2:25
